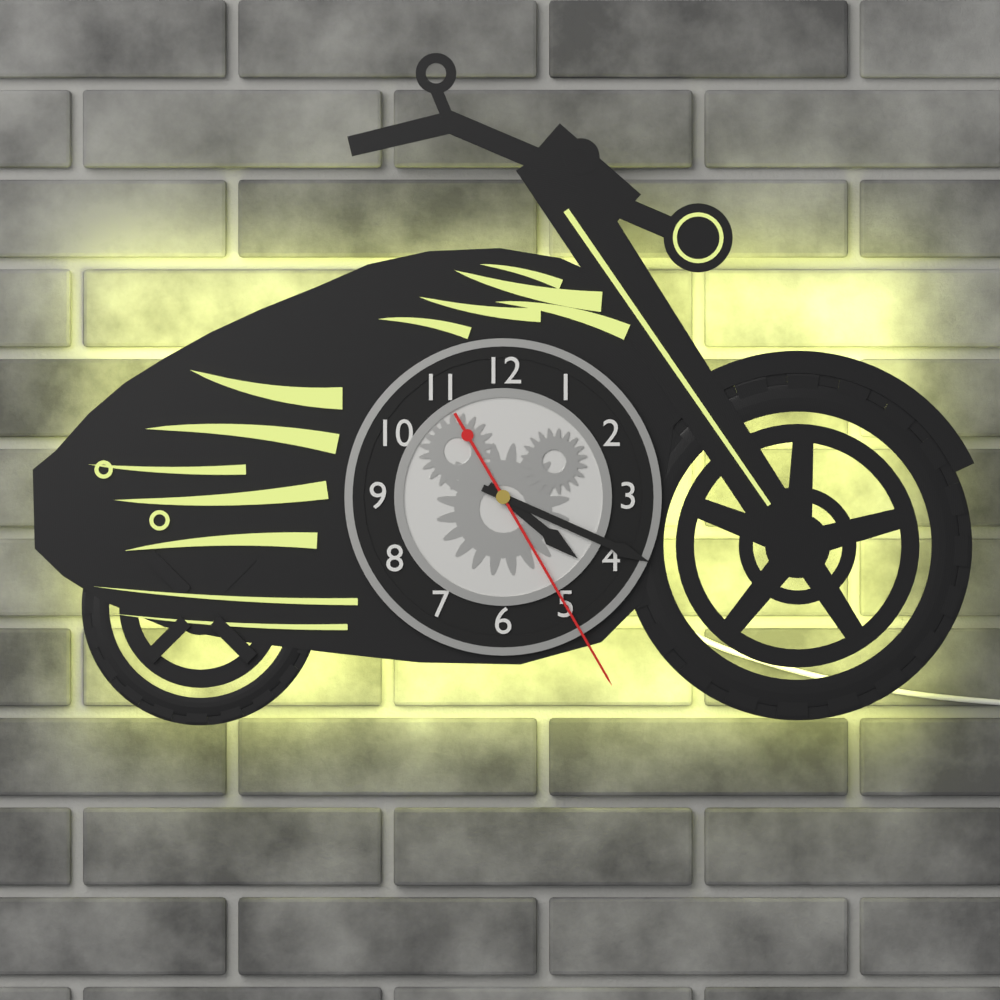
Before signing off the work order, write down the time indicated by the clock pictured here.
4:19:25
